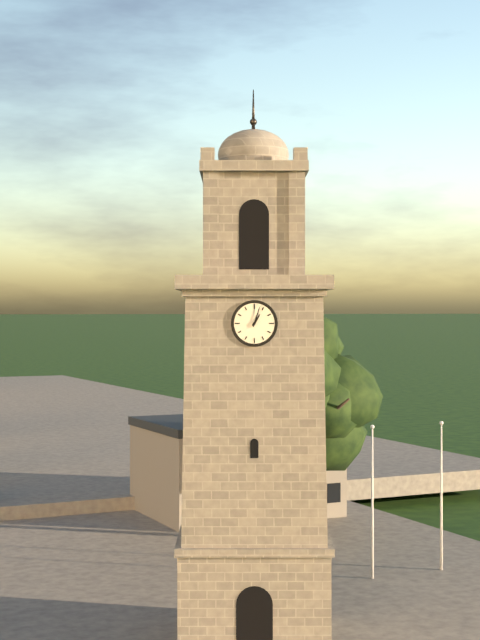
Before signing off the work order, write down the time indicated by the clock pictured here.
1:03
